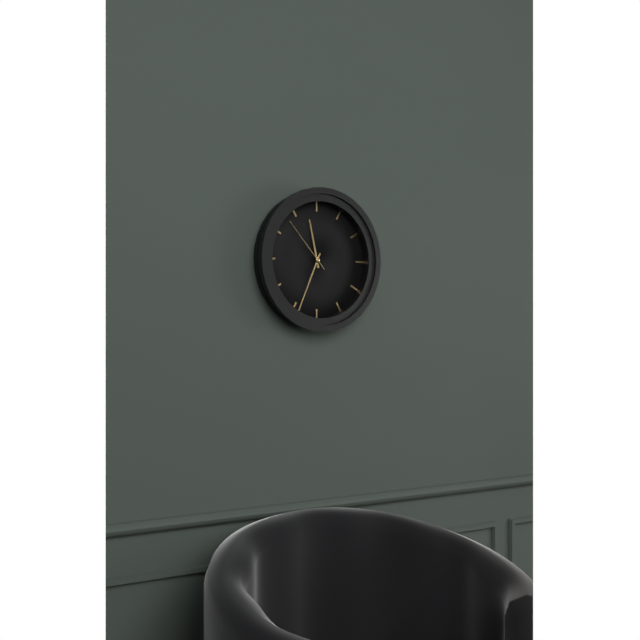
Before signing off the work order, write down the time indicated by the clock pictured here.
11:34:53
